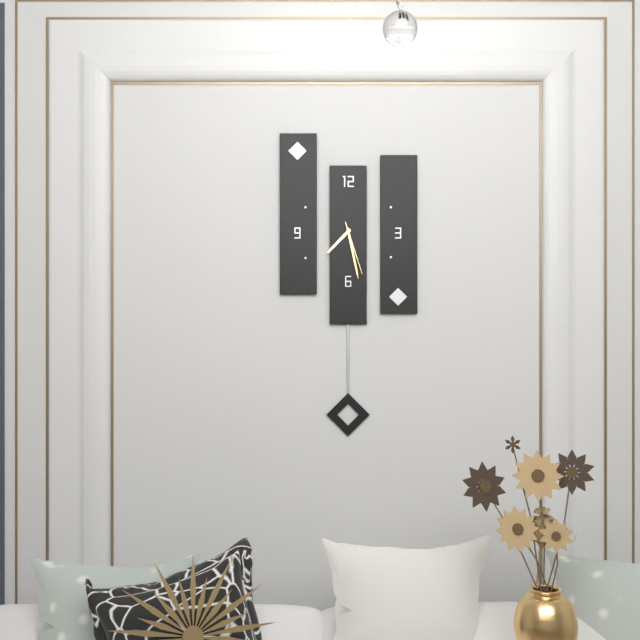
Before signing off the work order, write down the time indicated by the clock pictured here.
7:28:27
